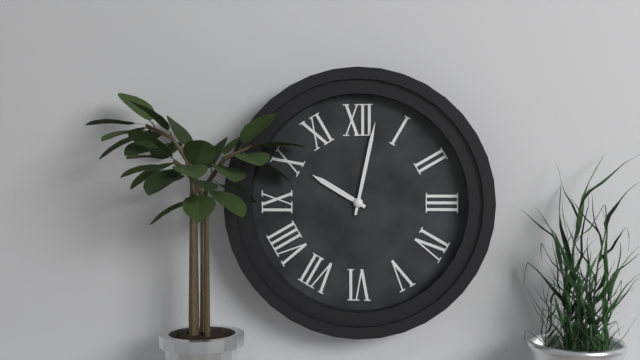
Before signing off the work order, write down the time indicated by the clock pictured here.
10:02
